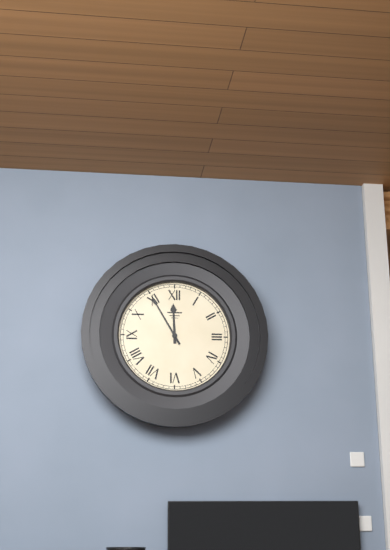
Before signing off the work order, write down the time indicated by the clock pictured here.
11:55
